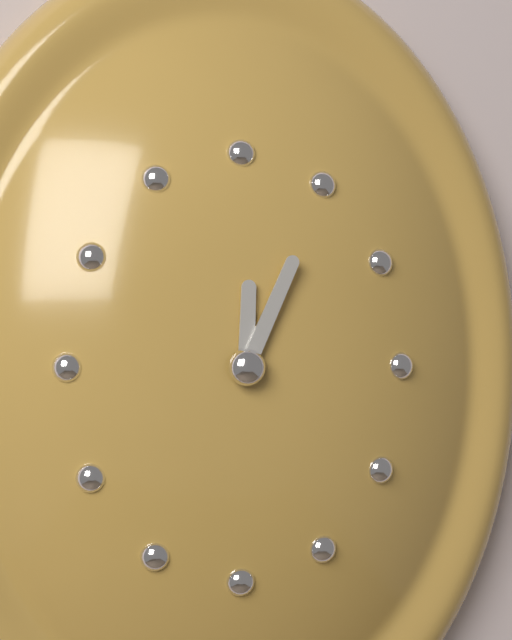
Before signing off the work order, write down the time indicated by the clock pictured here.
12:04
